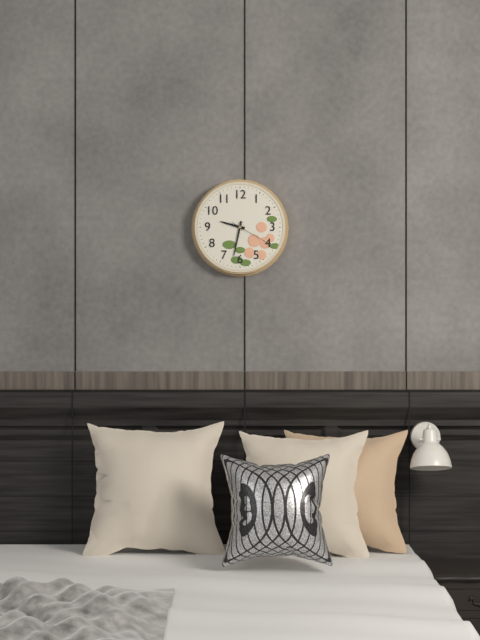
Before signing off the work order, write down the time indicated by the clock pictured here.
9:32
